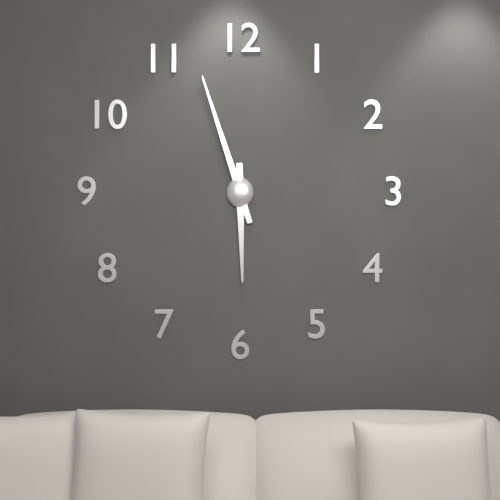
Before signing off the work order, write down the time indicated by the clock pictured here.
5:57
